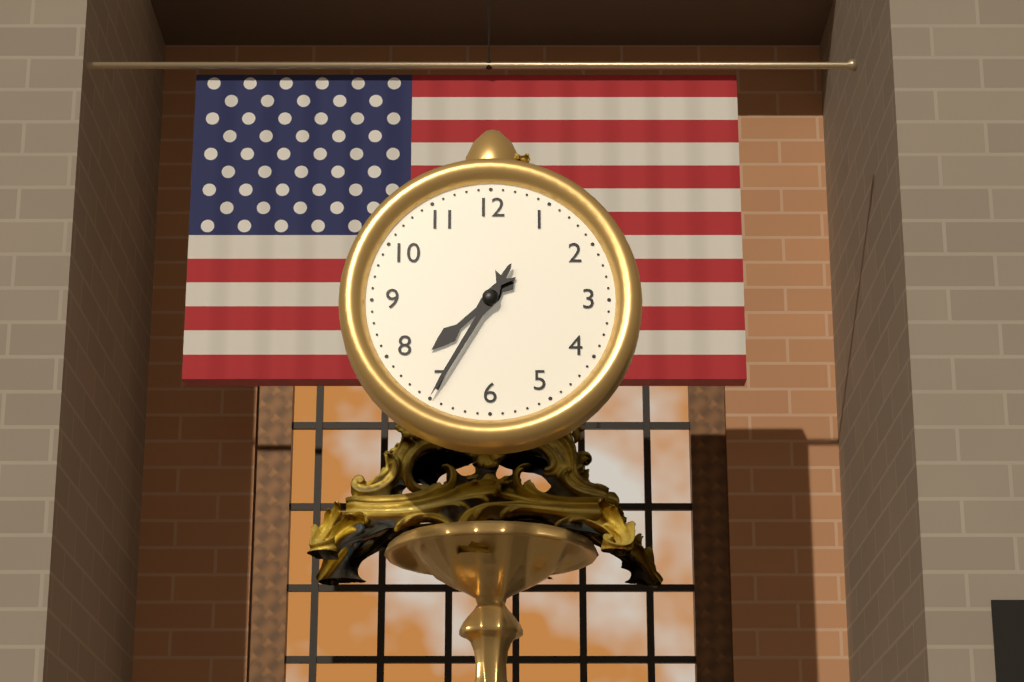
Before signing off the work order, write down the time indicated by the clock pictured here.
7:35
